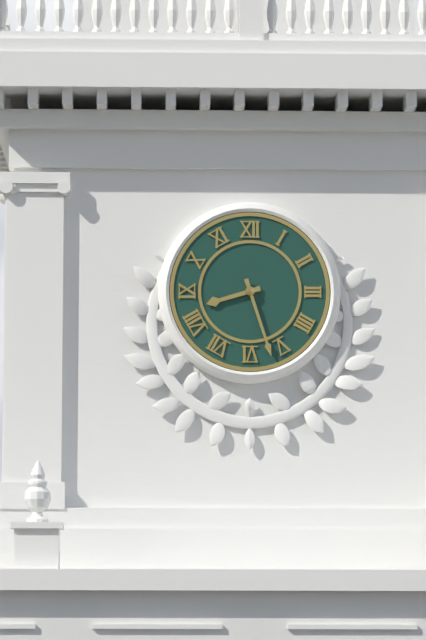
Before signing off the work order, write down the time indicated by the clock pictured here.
8:27
